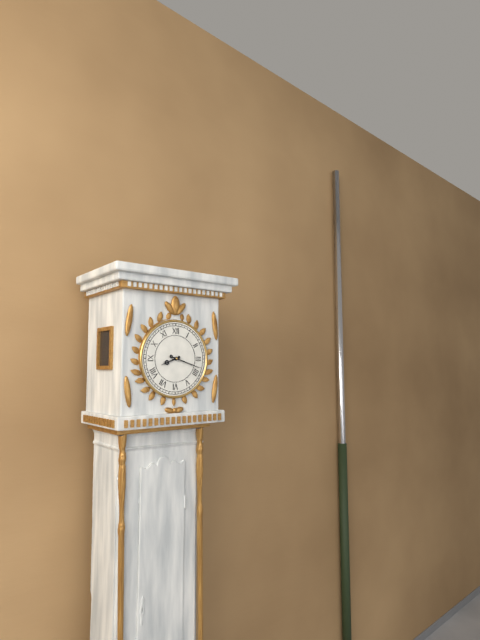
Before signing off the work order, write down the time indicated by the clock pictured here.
8:18
